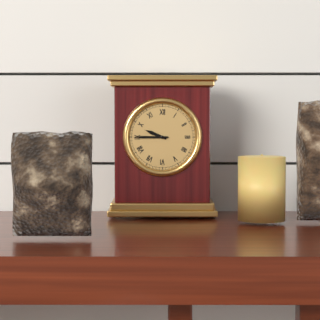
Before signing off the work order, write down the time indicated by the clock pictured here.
9:45
